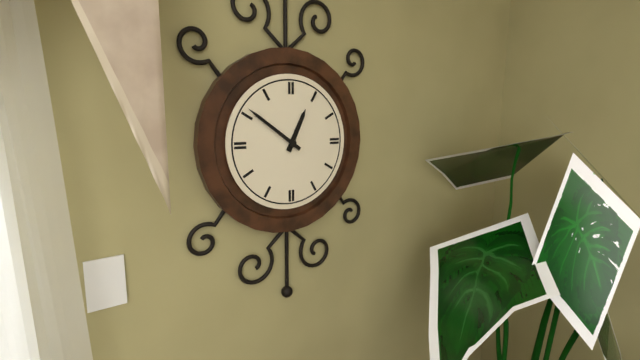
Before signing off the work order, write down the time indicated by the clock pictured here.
12:51
